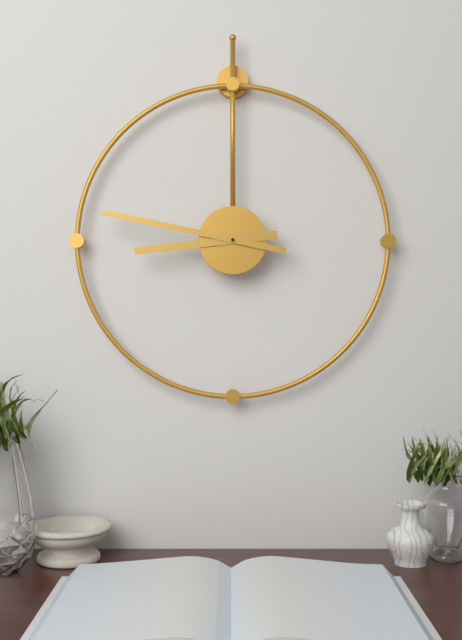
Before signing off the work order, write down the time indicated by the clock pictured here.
8:47
